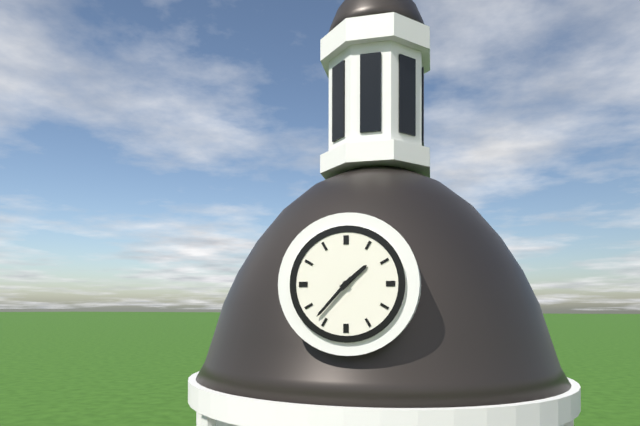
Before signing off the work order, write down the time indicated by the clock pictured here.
1:37
